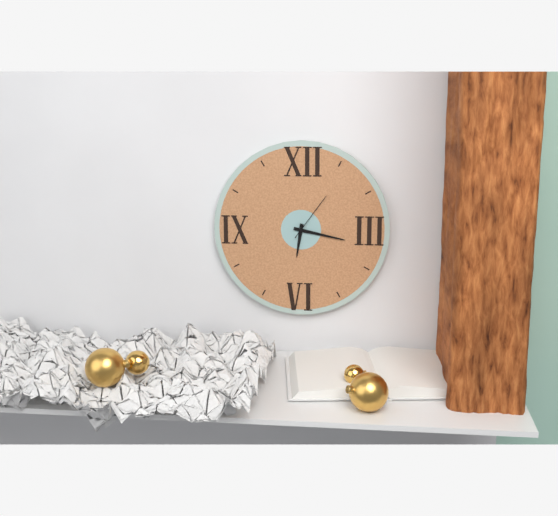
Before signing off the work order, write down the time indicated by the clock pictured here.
6:17:06
